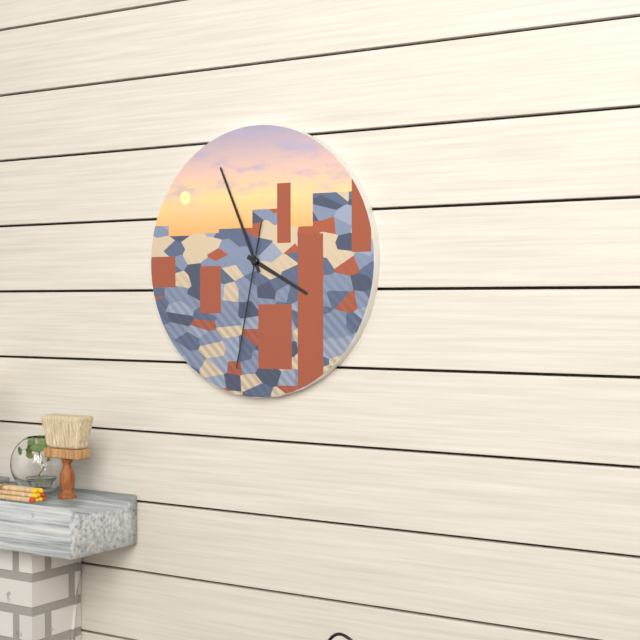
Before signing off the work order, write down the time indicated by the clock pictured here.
3:56:32
